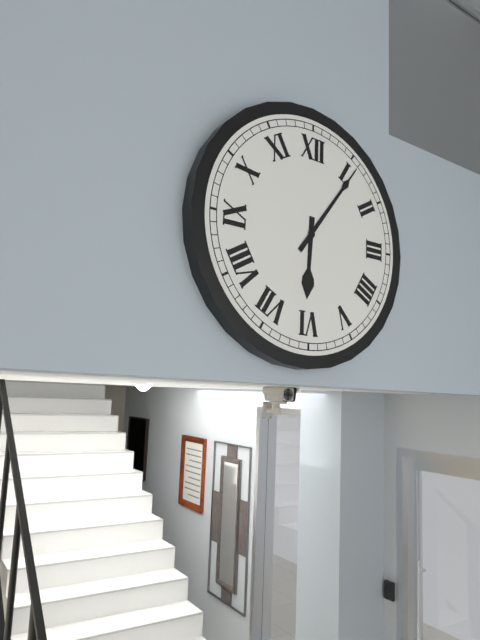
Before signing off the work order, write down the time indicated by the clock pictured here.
6:06
